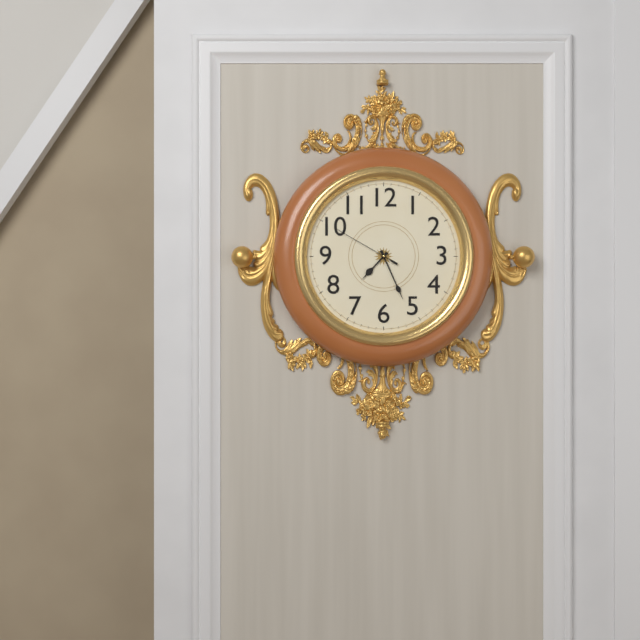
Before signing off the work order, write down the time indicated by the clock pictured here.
7:26:50
